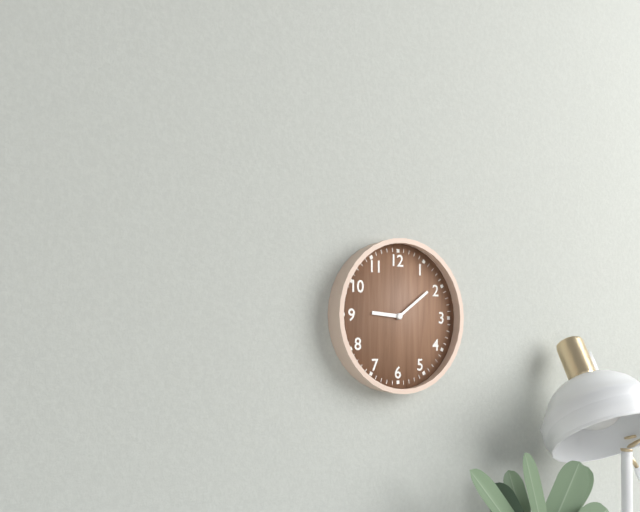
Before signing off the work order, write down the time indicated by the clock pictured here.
9:09
